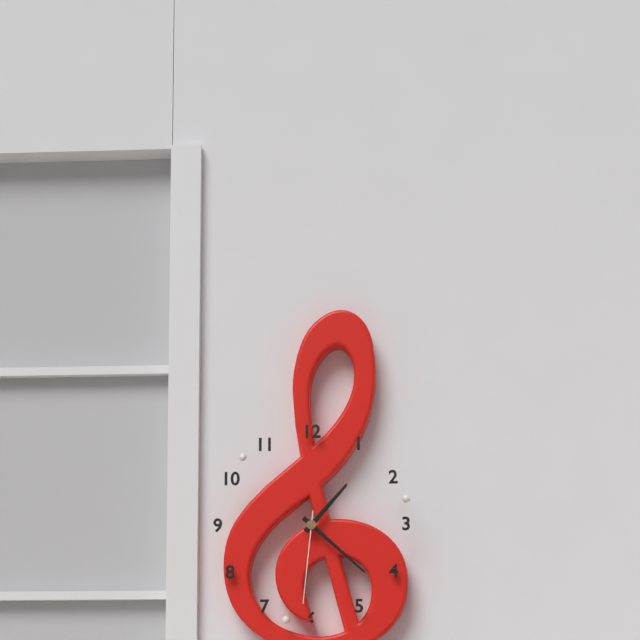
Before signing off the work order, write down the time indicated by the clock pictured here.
1:22:31
